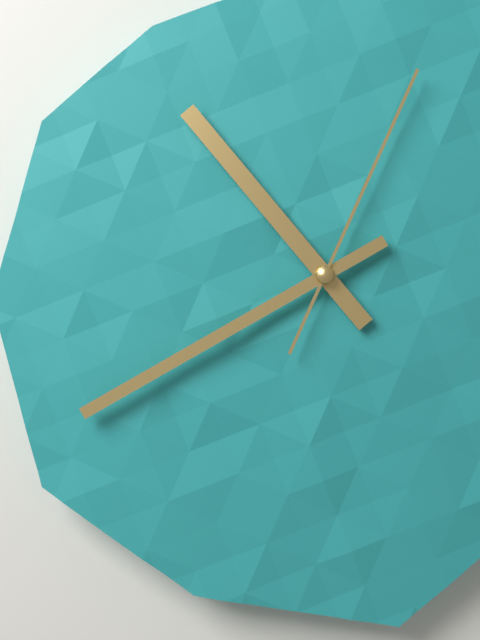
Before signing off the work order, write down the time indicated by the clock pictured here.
10:40:04
